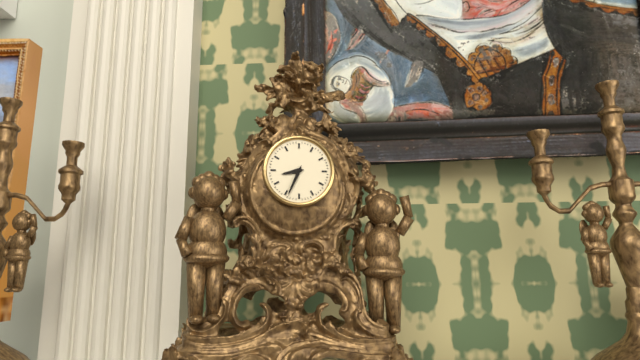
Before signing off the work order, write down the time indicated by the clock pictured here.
8:34
